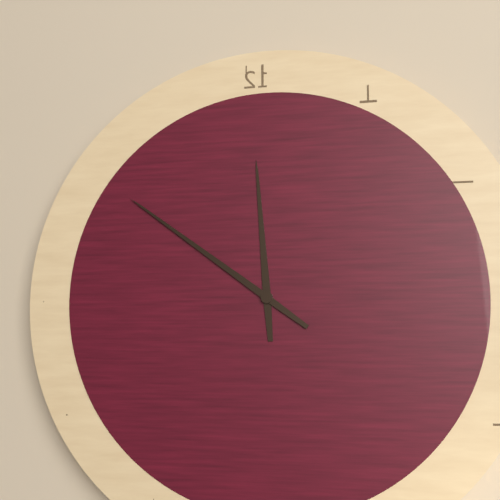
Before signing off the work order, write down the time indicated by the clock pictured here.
11:51
